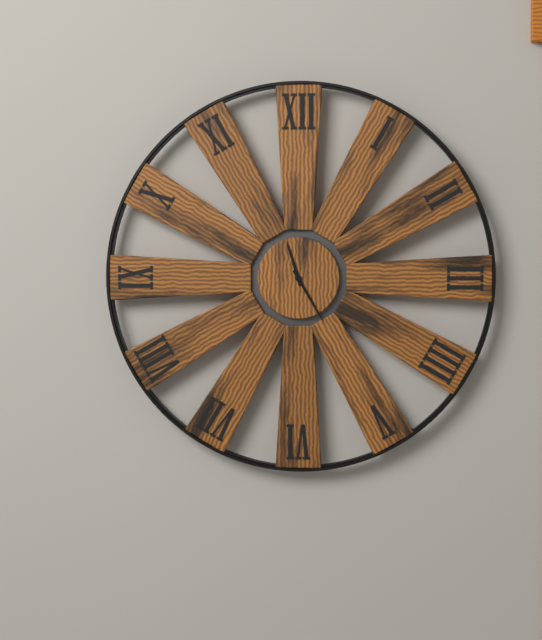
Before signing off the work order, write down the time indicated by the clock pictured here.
11:25
